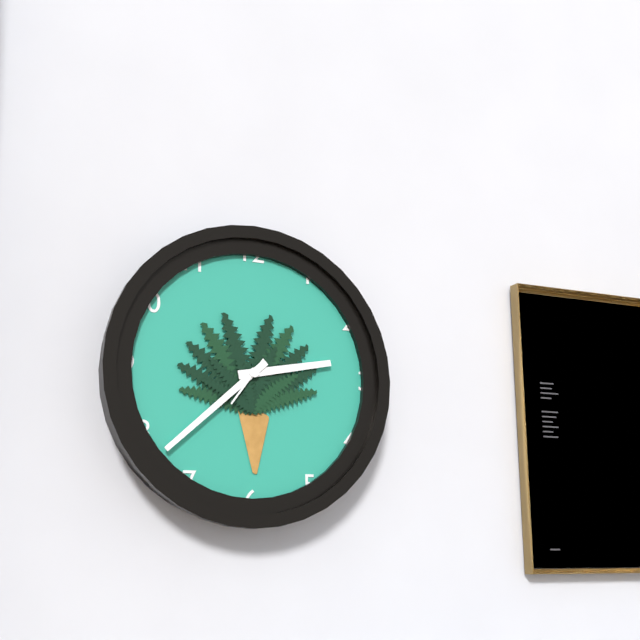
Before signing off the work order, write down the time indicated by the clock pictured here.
2:38
